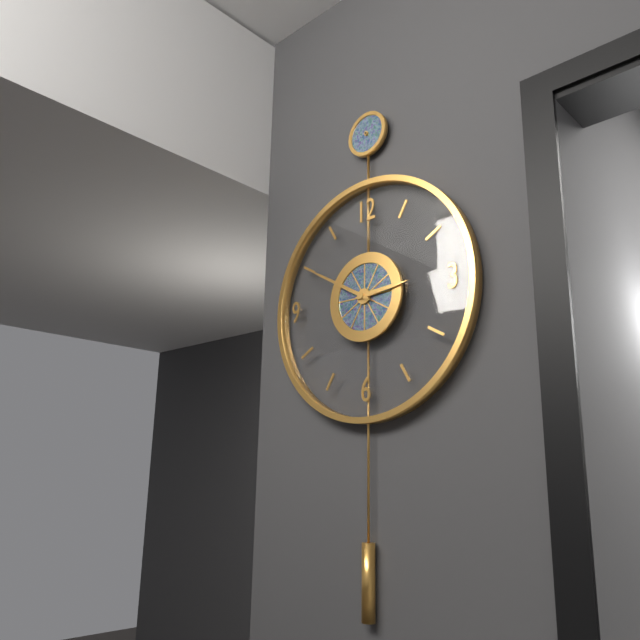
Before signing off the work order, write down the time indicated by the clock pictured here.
2:50
